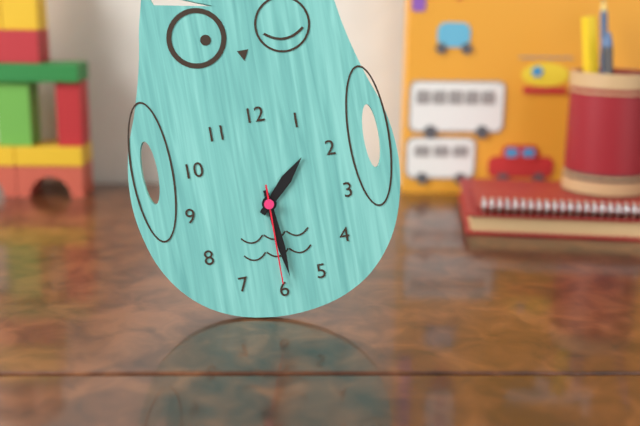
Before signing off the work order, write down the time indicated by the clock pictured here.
1:29:30
